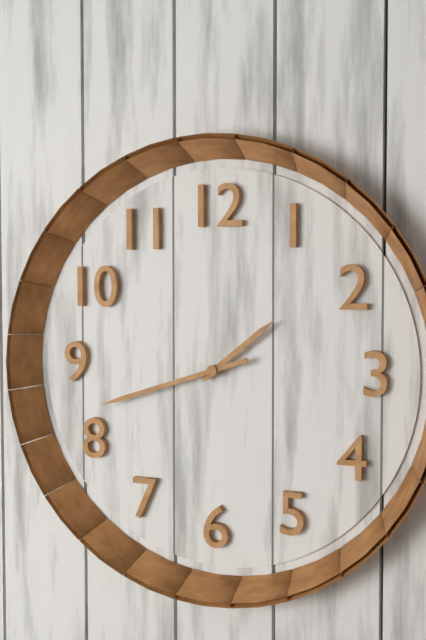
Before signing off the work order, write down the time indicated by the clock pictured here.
1:42
